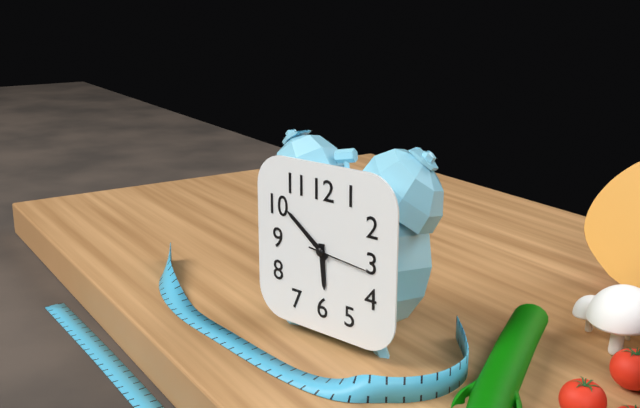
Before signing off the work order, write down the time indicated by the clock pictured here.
5:51:16
